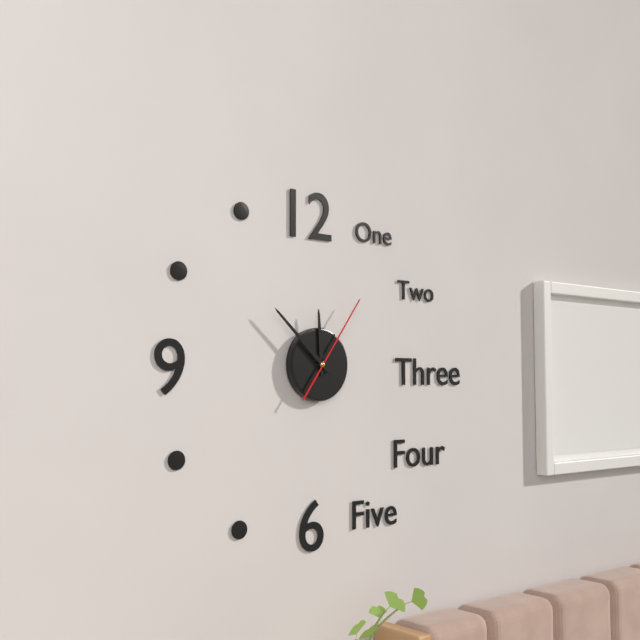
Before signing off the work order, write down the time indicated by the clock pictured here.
11:52:06
